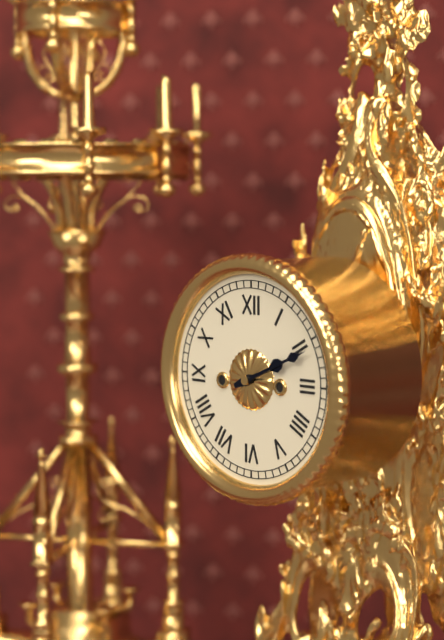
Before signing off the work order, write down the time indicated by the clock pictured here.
2:11
